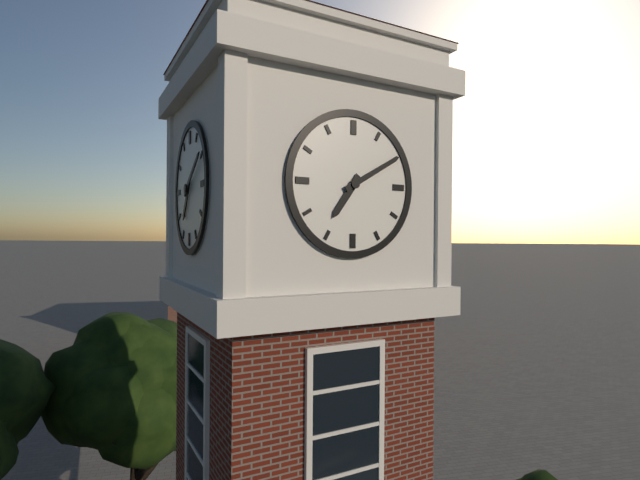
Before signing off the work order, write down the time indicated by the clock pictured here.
7:10
